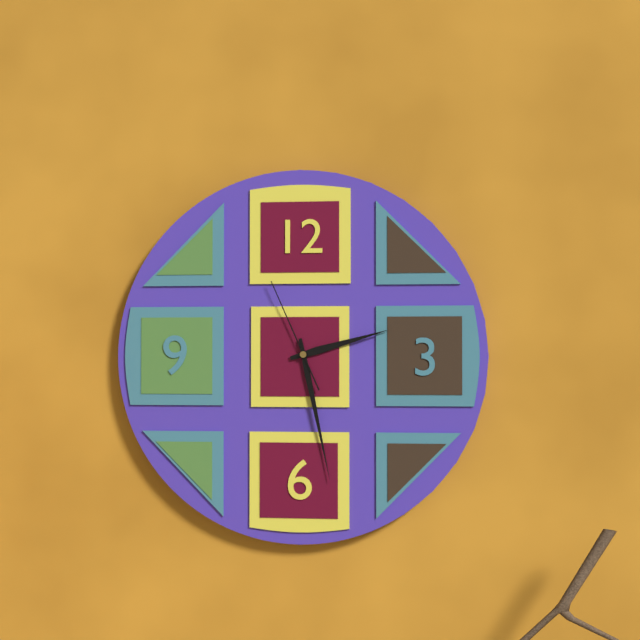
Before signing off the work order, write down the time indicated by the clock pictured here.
2:28:56
